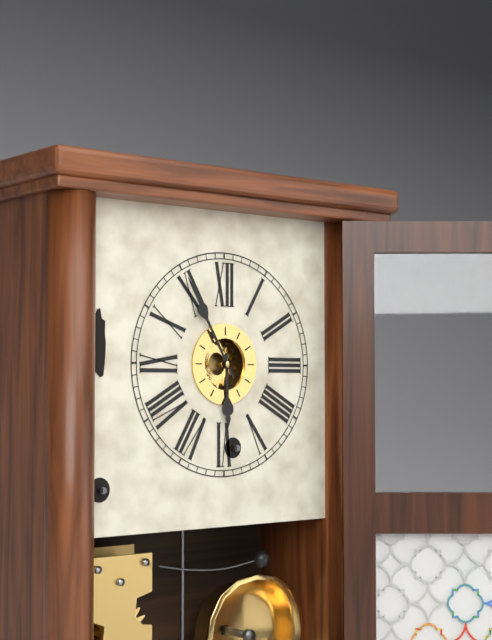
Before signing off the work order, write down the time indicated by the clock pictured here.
5:55
